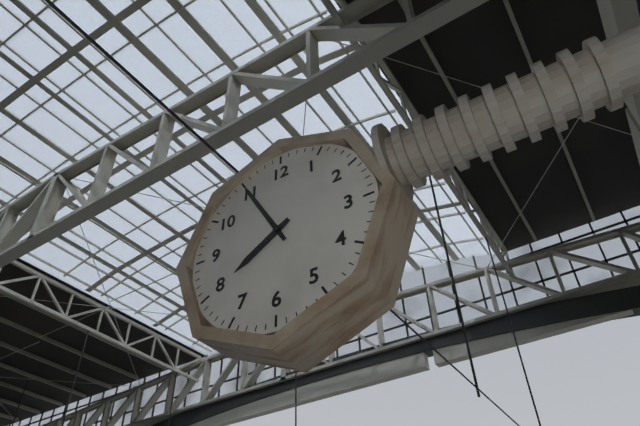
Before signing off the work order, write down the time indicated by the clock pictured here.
7:55
